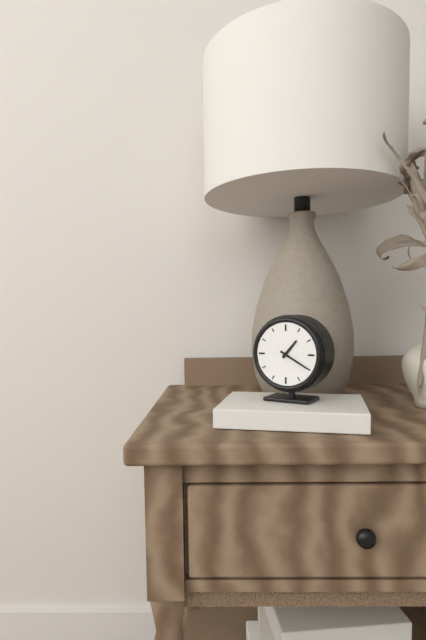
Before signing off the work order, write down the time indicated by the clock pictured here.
1:20
